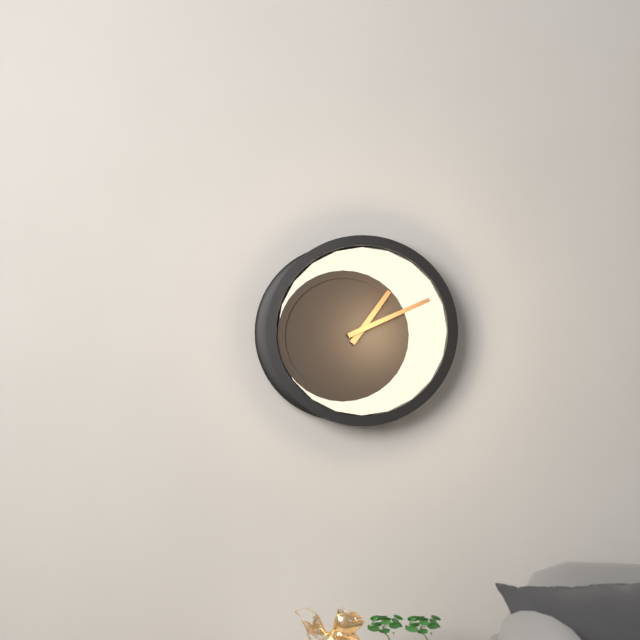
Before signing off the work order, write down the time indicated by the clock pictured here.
1:11
